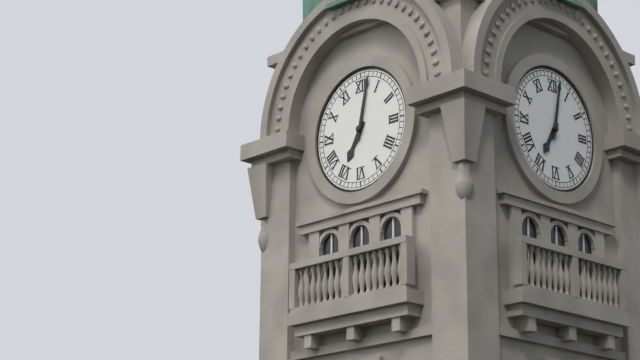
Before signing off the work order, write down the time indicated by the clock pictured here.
7:02
